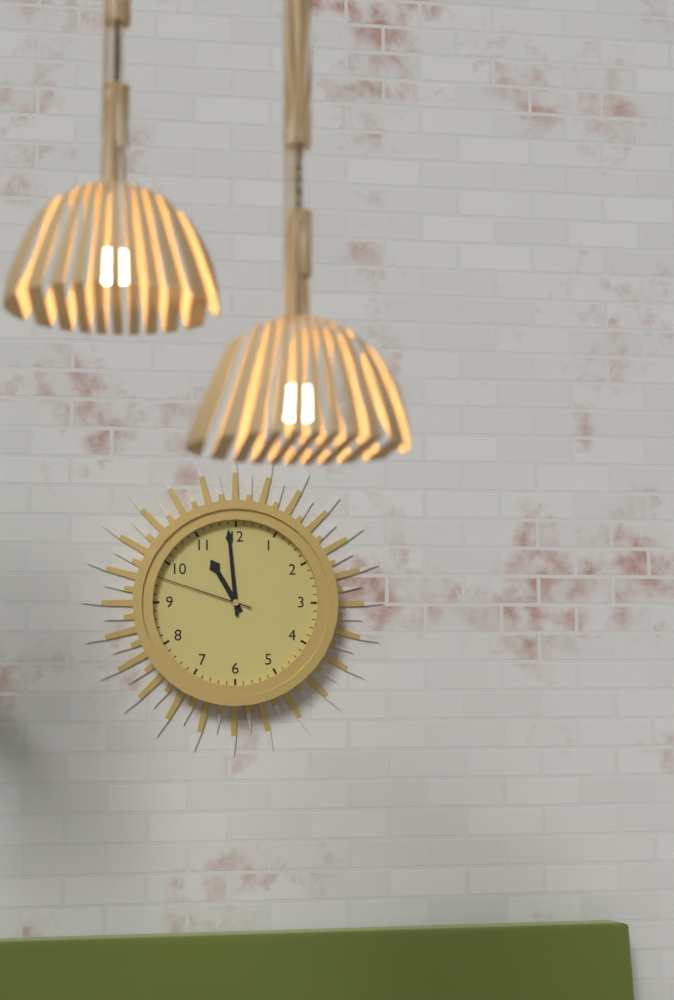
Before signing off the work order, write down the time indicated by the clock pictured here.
10:59:48
